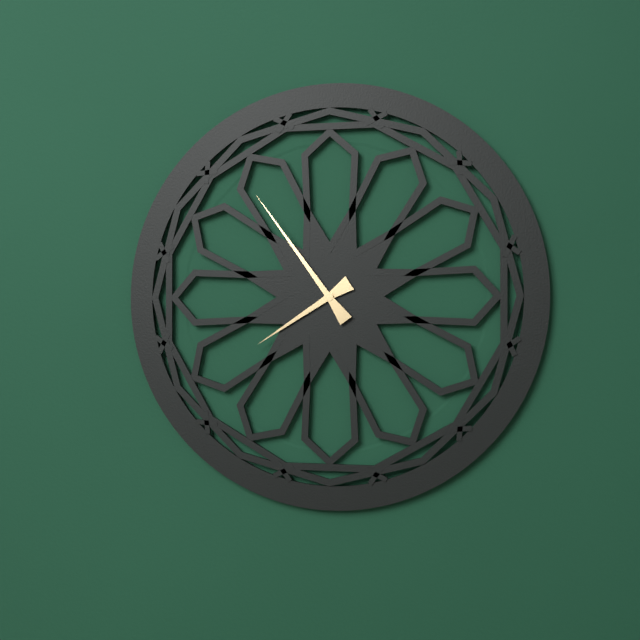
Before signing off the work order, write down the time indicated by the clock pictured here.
7:54
